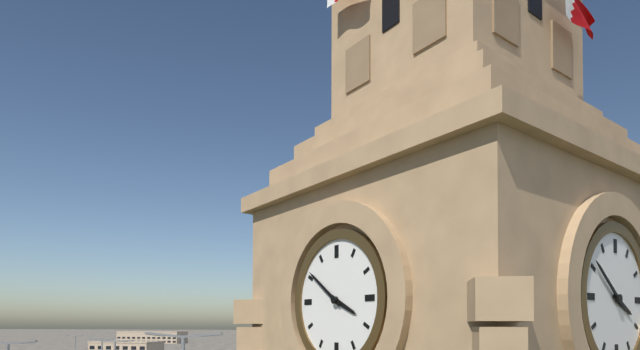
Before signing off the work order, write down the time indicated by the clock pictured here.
3:51
